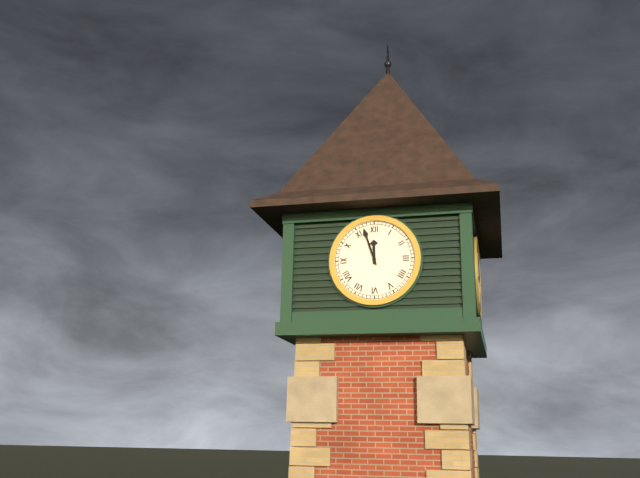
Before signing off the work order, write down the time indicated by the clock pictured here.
11:57
